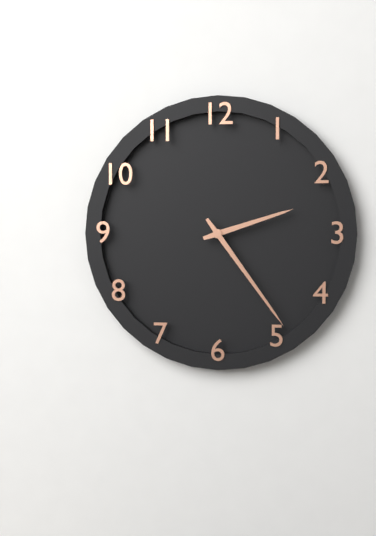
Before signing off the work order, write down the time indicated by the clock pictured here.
2:24
